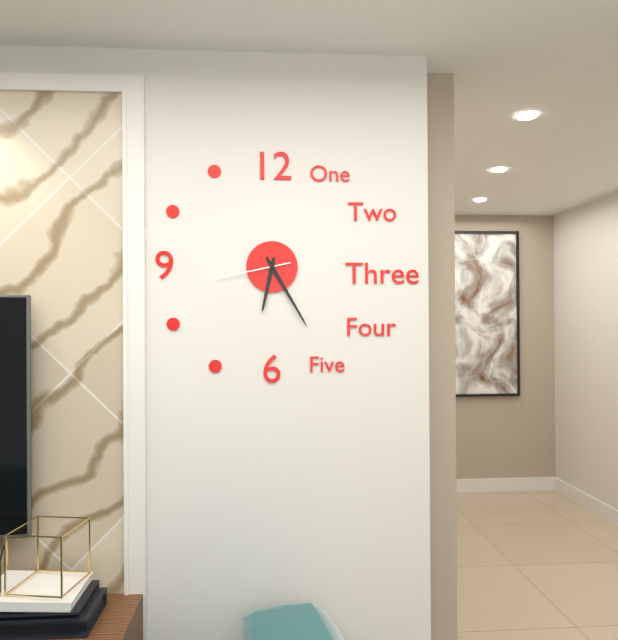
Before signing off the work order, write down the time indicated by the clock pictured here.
6:25:43
